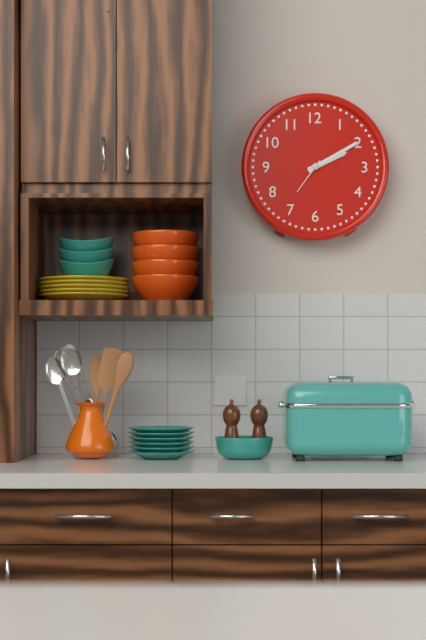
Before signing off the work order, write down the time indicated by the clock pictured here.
2:10
